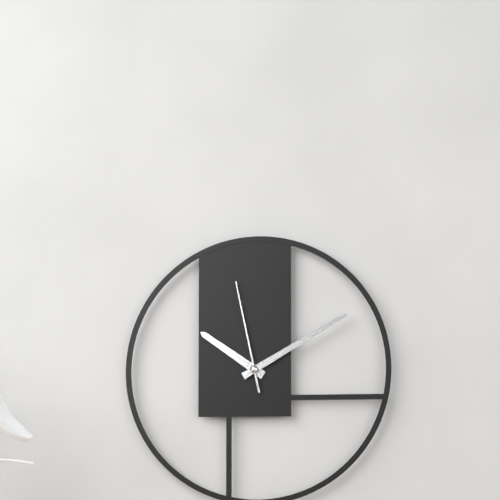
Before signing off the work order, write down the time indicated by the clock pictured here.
10:10:58
